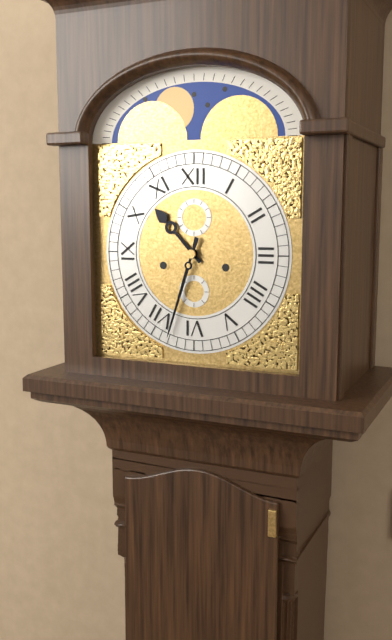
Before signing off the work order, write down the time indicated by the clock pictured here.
10:33
